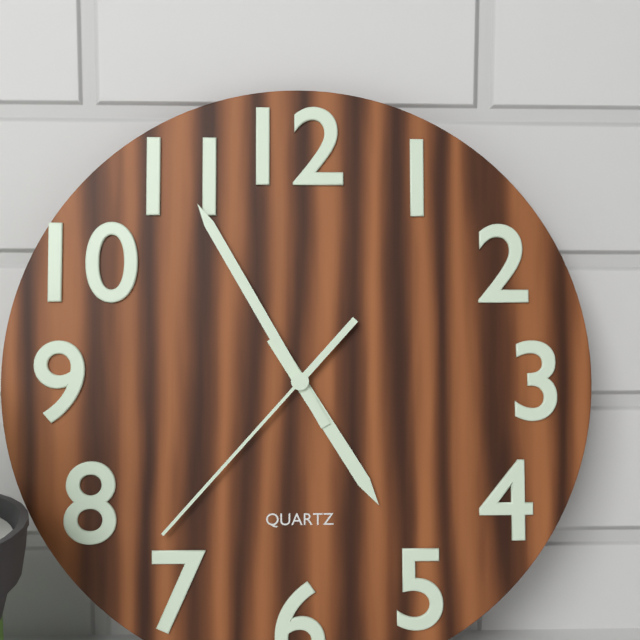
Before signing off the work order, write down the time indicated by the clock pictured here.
4:55:37
